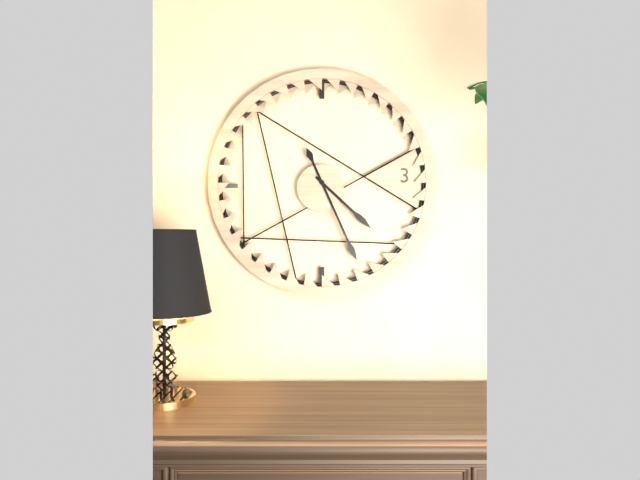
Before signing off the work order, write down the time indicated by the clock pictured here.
4:26
